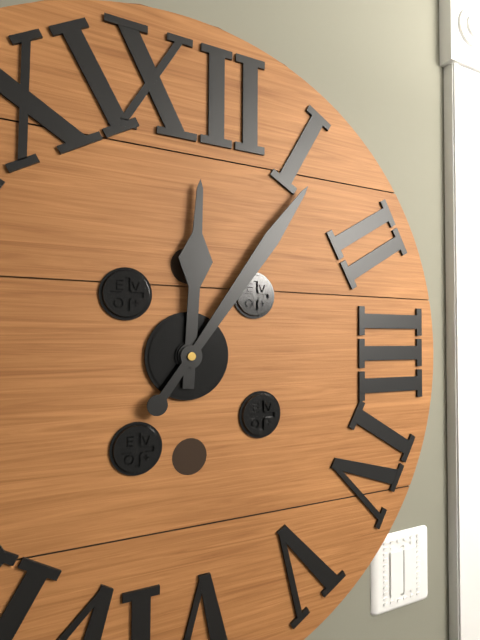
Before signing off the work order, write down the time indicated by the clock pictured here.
12:06
